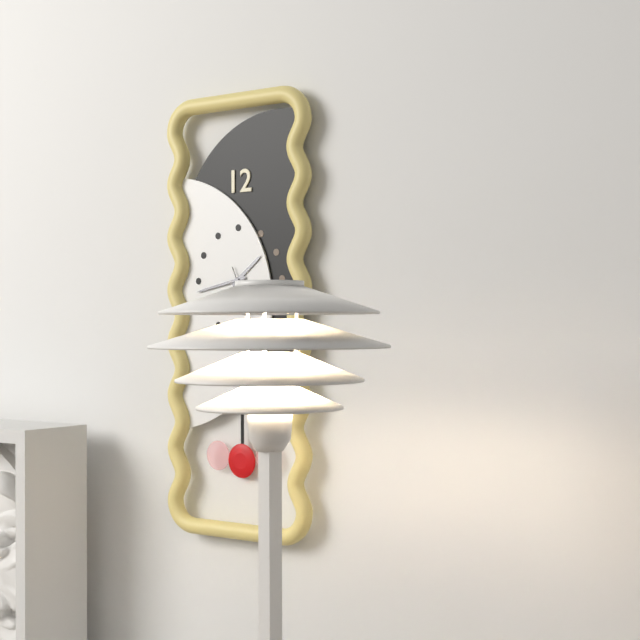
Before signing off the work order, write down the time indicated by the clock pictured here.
1:43
